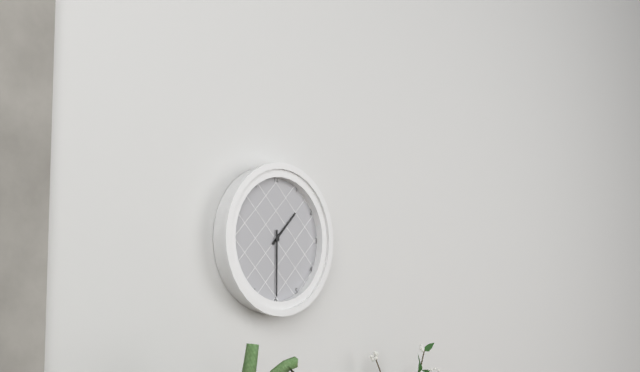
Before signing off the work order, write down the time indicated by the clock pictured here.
1:30
